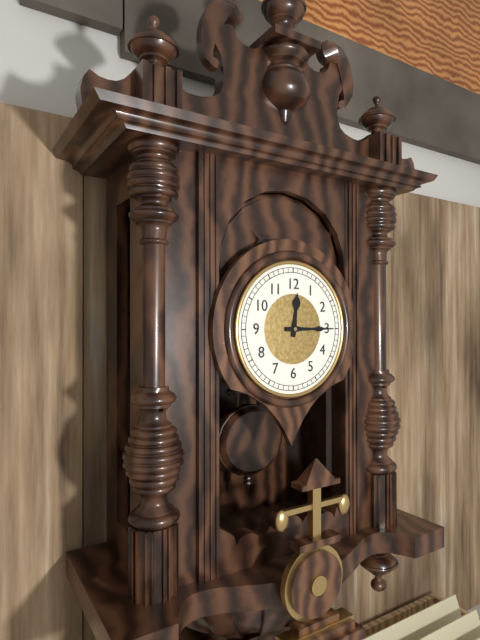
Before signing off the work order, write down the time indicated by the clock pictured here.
12:15
